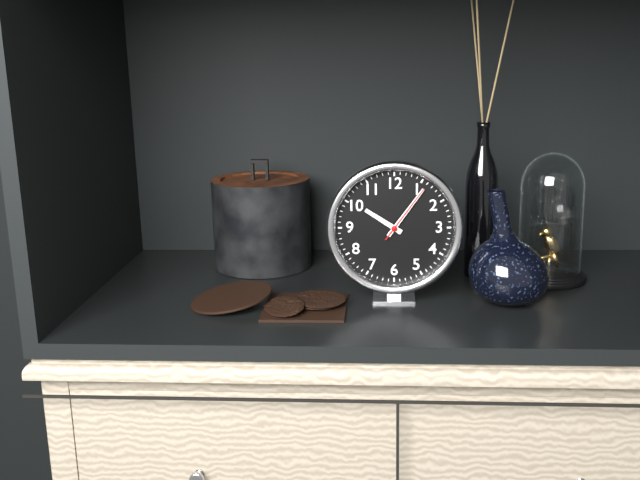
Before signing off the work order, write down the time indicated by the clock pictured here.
10:06:06
